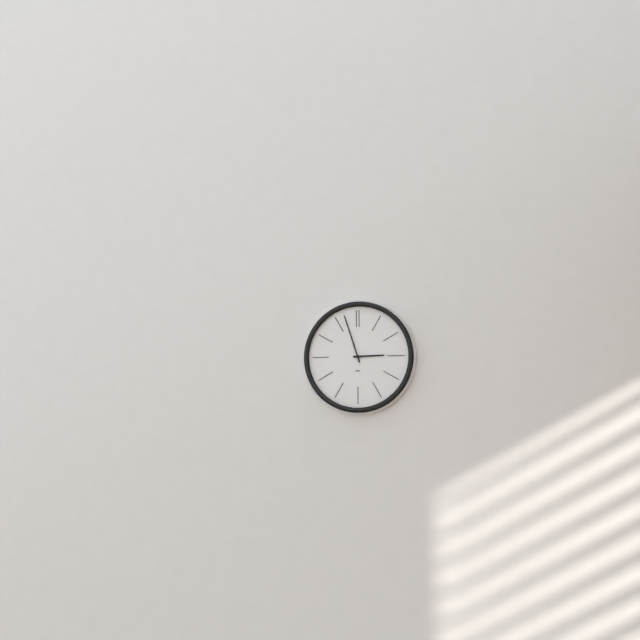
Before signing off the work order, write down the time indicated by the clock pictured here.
2:57
